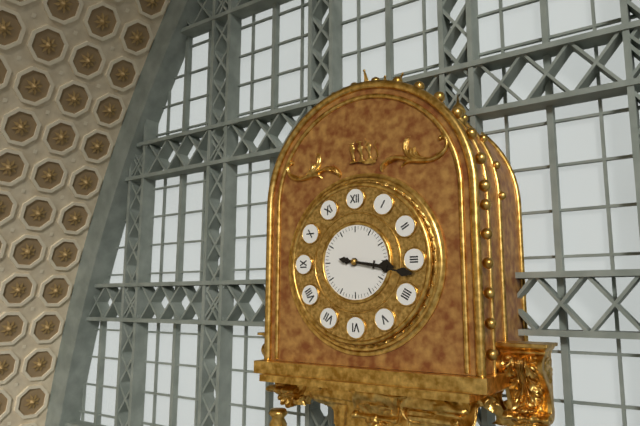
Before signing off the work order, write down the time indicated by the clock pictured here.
3:17
